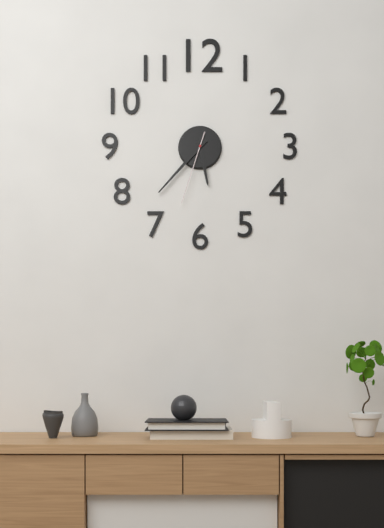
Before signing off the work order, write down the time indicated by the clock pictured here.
5:37:33
